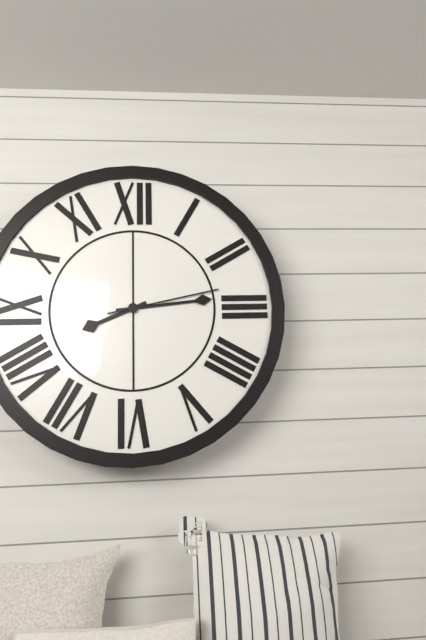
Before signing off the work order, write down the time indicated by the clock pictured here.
8:14:13
